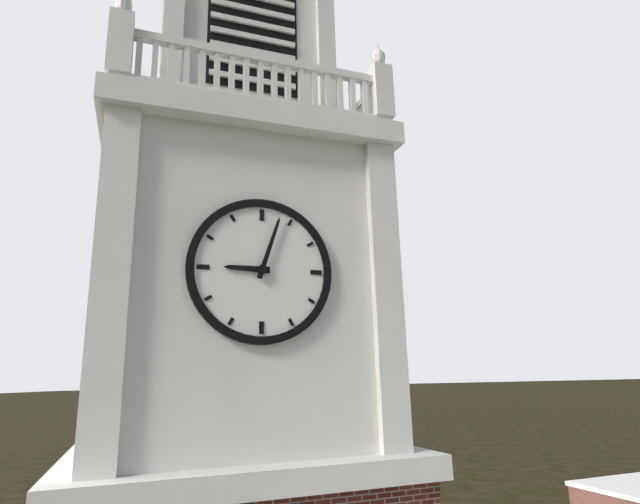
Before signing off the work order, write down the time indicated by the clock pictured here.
9:03
